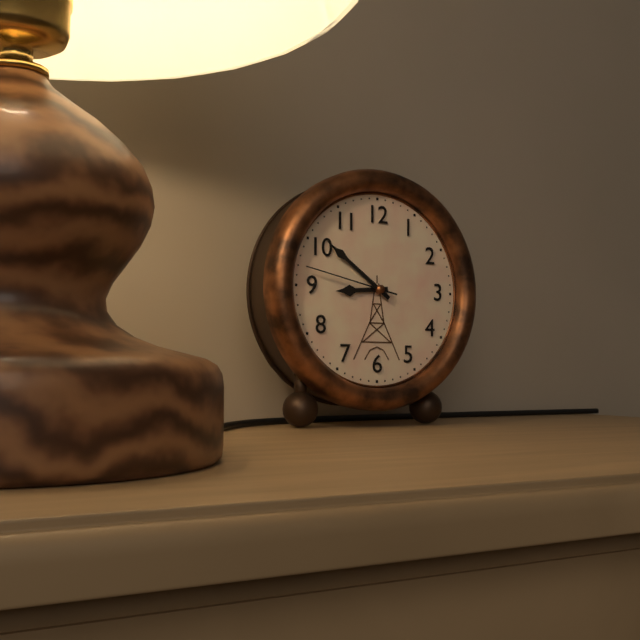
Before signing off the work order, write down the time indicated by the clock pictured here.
8:51:47
